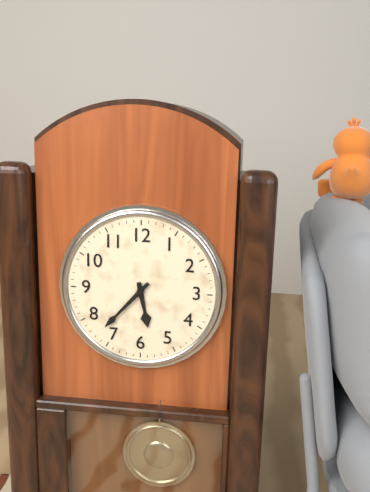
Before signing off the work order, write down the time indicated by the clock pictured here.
5:37
